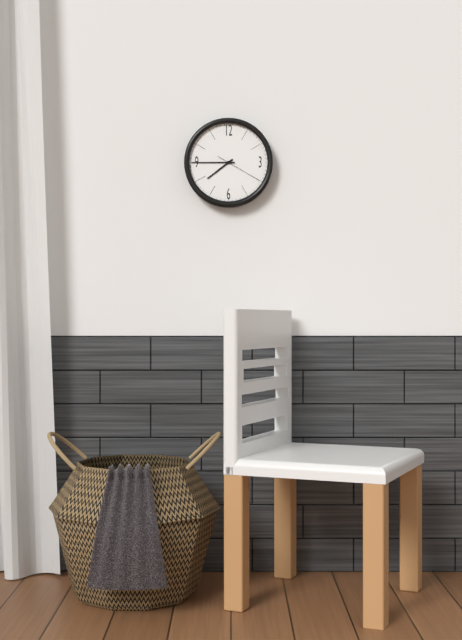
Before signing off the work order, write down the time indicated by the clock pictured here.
7:45
